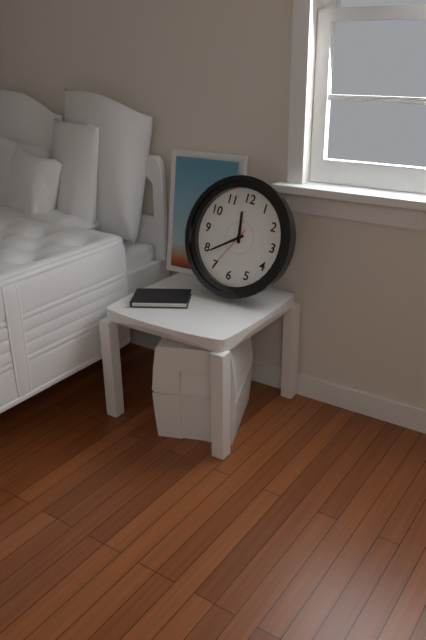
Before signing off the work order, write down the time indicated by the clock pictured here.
11:39
